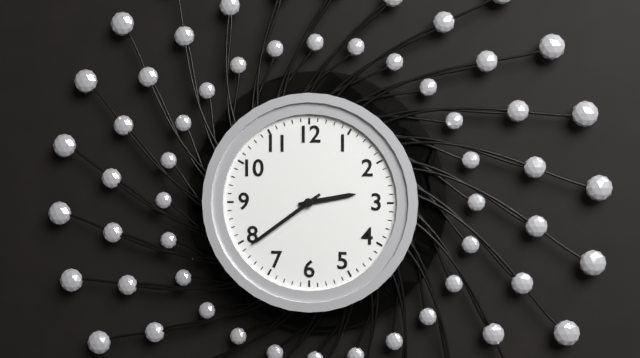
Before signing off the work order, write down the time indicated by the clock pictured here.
2:39
